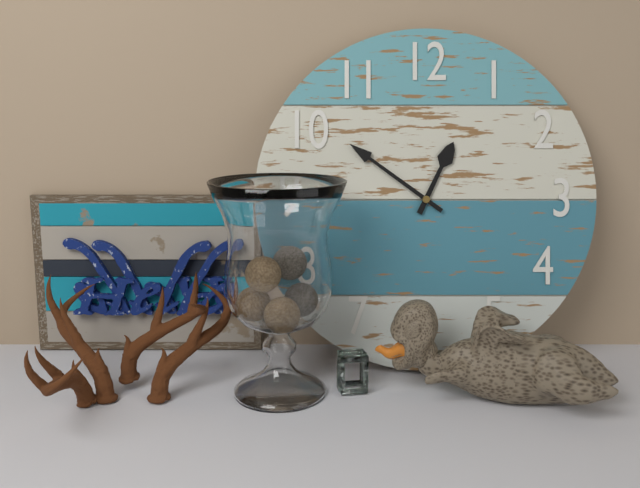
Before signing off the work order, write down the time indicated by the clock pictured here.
12:51
